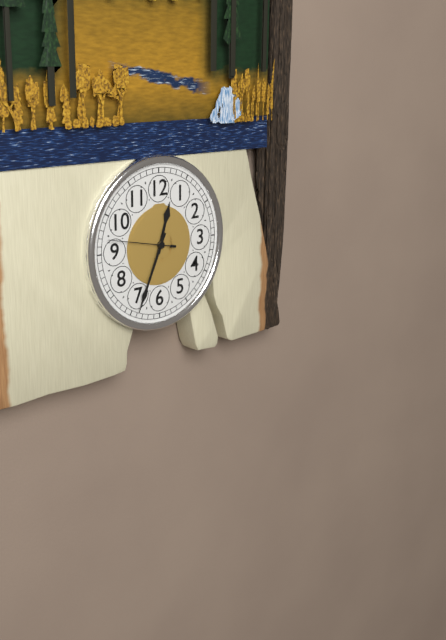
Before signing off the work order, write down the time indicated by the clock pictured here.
12:34:47
